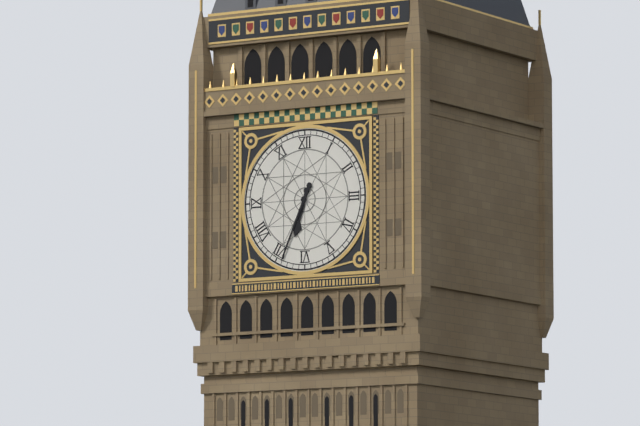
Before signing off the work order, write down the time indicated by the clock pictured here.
6:34
